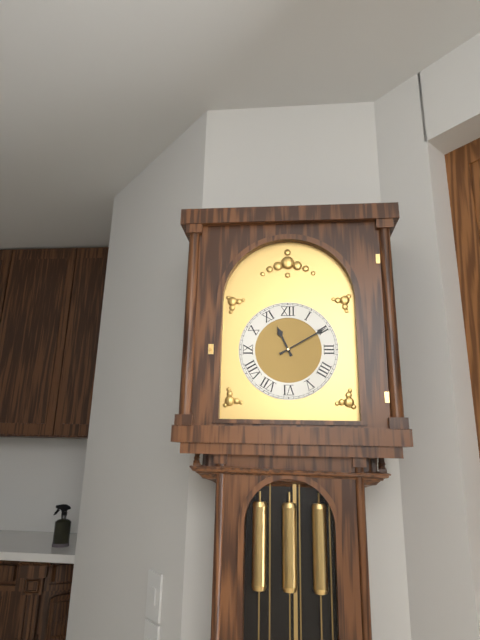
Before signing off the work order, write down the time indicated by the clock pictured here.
11:10
